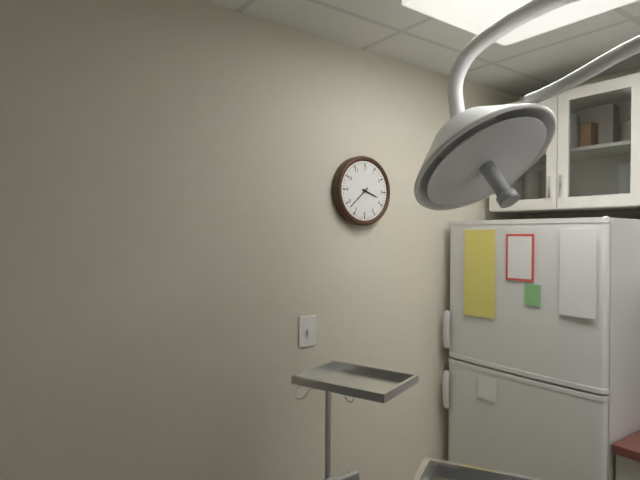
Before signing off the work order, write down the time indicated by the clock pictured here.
3:38
